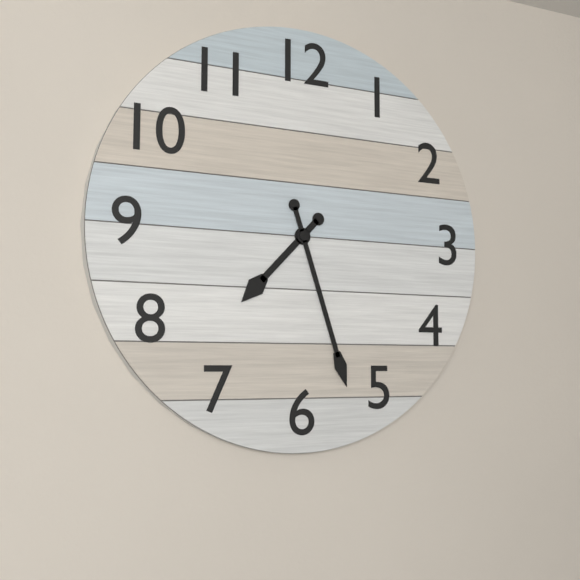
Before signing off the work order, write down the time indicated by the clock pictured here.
7:27
